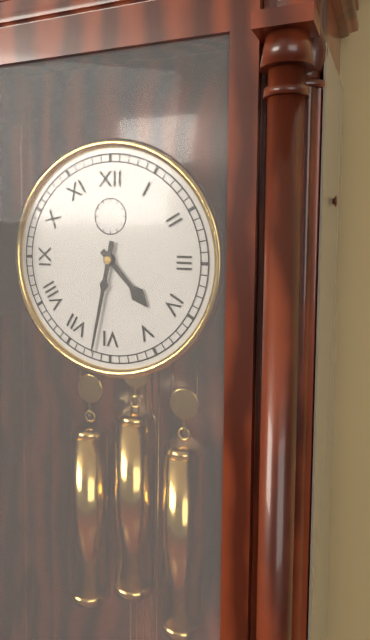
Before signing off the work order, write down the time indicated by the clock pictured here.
4:32
